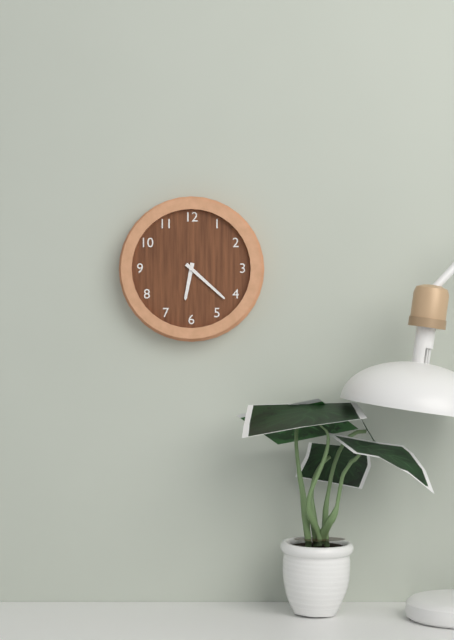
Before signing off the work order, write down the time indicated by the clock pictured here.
6:22
